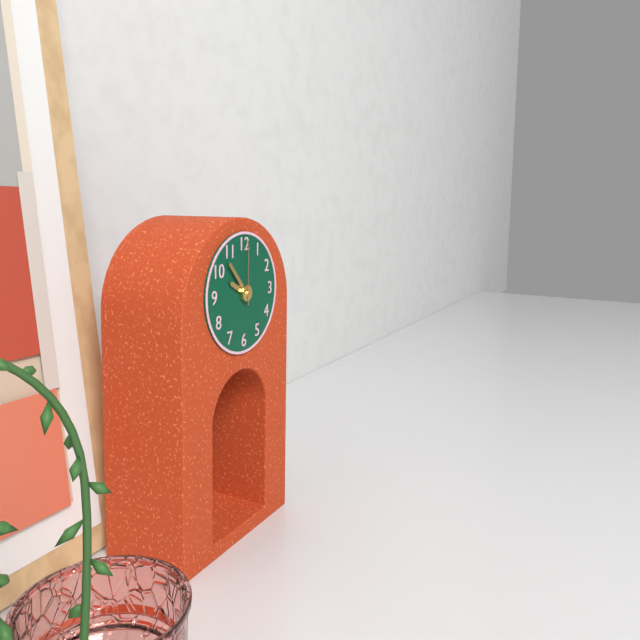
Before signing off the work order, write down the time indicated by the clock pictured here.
9:53:00
